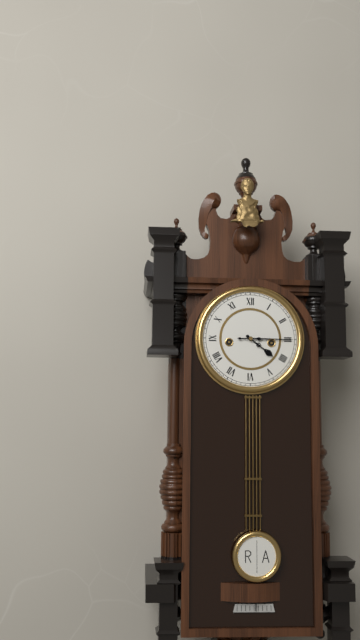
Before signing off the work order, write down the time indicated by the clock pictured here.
4:15
